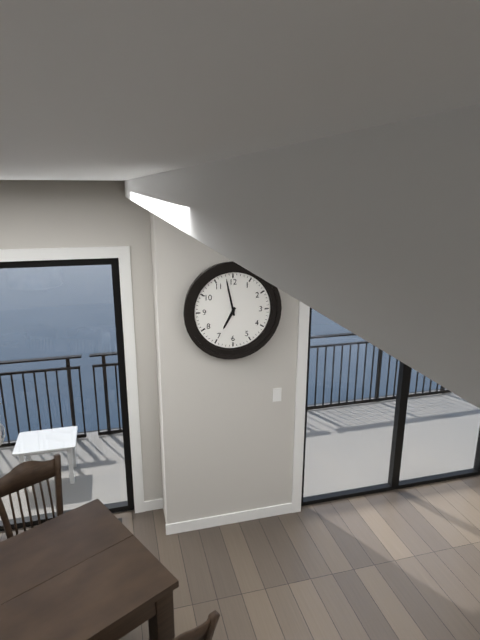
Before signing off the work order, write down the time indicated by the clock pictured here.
6:58
